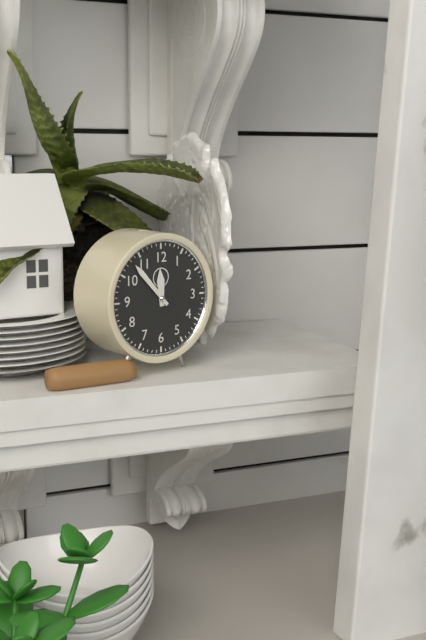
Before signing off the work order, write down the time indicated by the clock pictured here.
11:53
